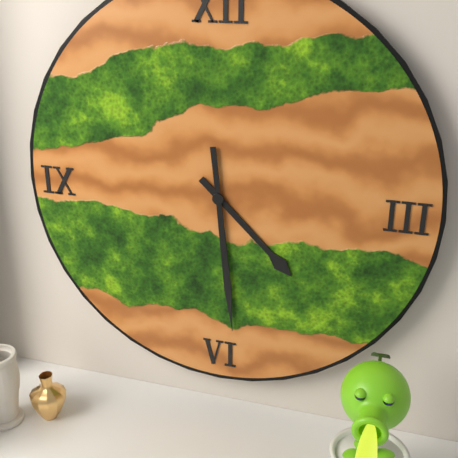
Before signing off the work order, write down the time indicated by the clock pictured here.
4:29
